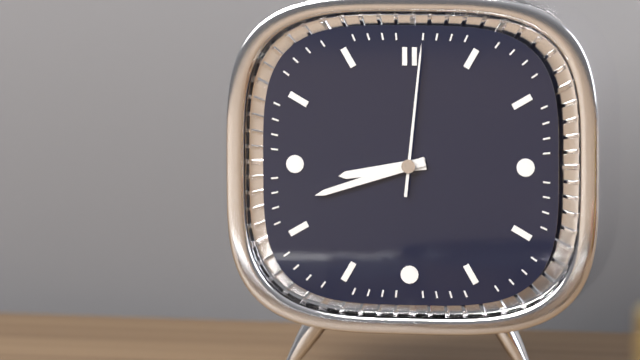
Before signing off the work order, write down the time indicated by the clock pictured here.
8:42:01
